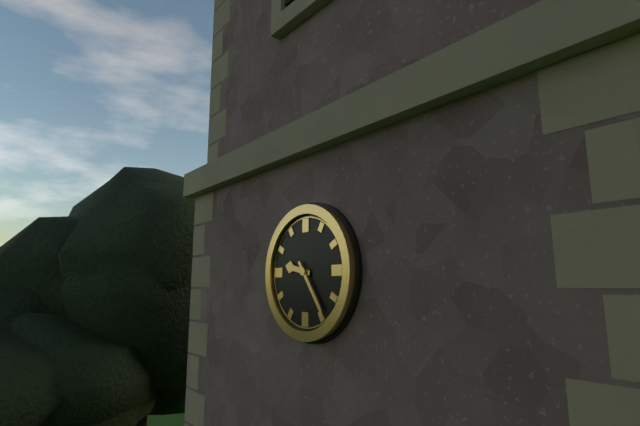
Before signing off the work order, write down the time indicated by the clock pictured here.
9:24
